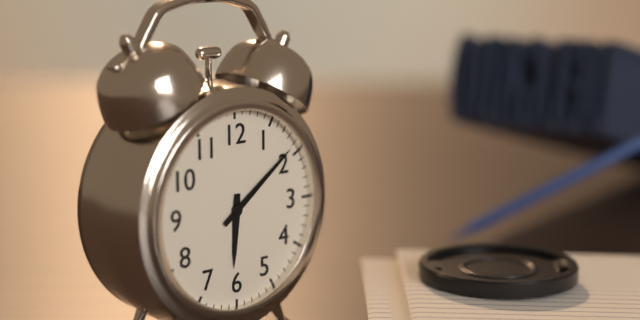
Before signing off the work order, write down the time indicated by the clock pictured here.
6:09
